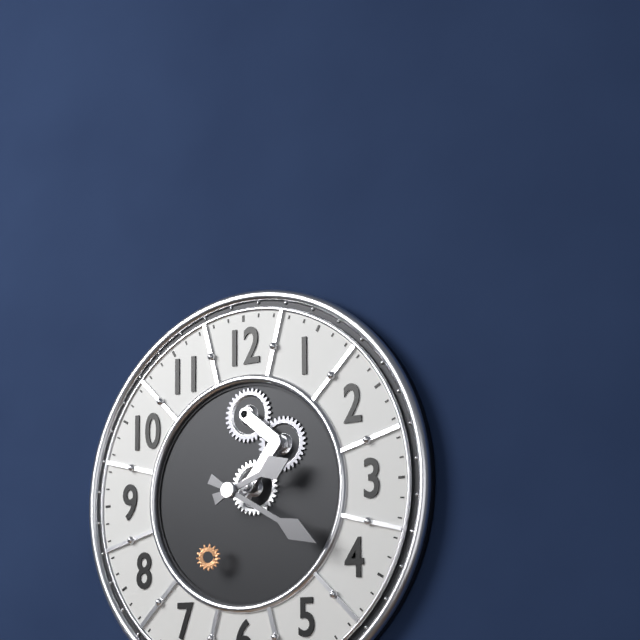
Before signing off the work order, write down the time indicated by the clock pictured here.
2:20
